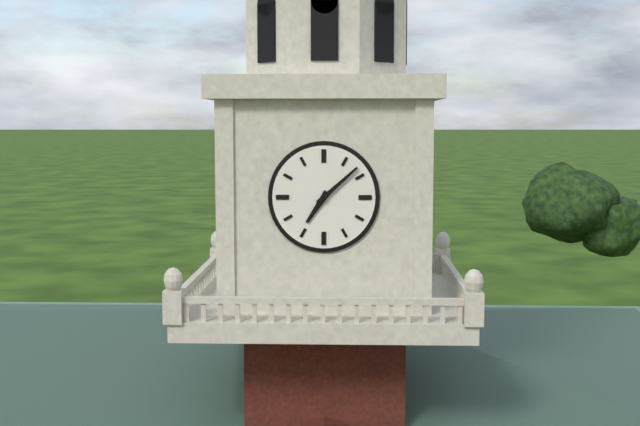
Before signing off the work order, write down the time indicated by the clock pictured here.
7:08
